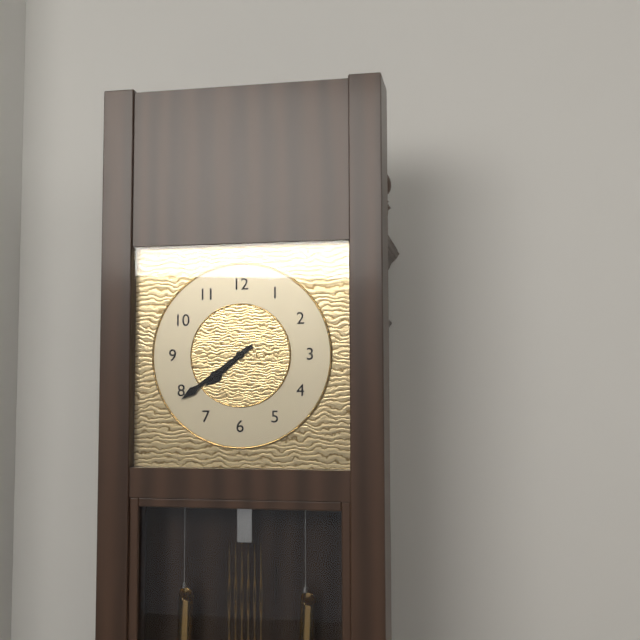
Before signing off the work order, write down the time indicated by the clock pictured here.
7:39
